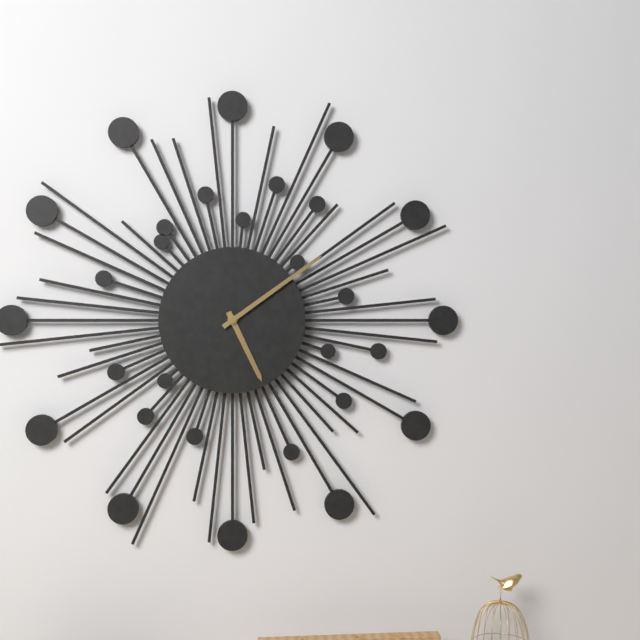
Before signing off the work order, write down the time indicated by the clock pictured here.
5:09
